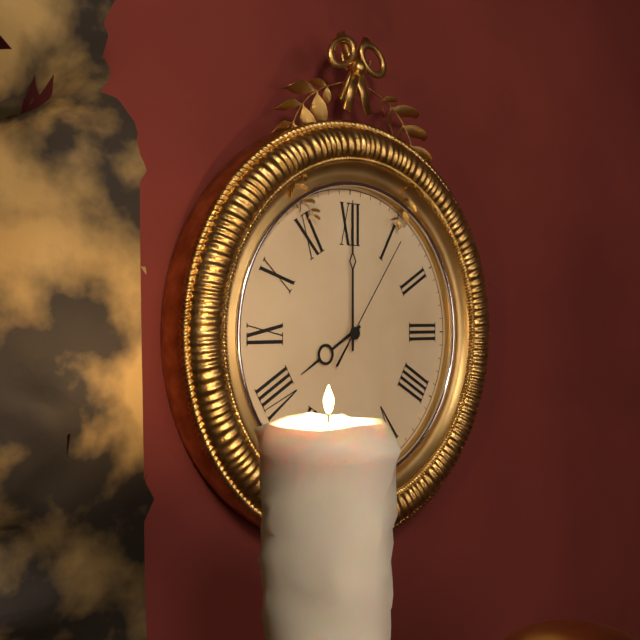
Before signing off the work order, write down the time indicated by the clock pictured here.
8:00:06
